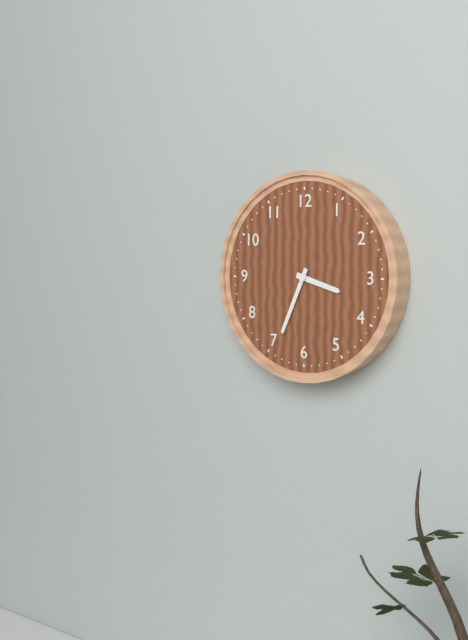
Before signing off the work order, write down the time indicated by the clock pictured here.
3:34
